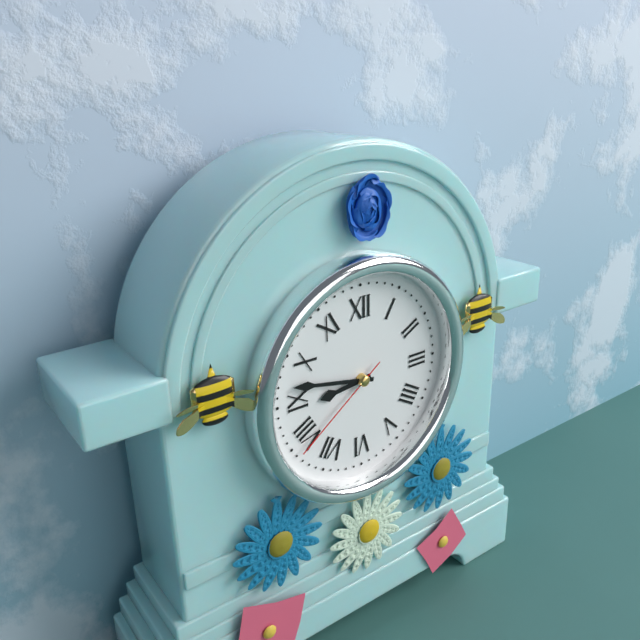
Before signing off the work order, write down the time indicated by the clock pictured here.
8:47:39
